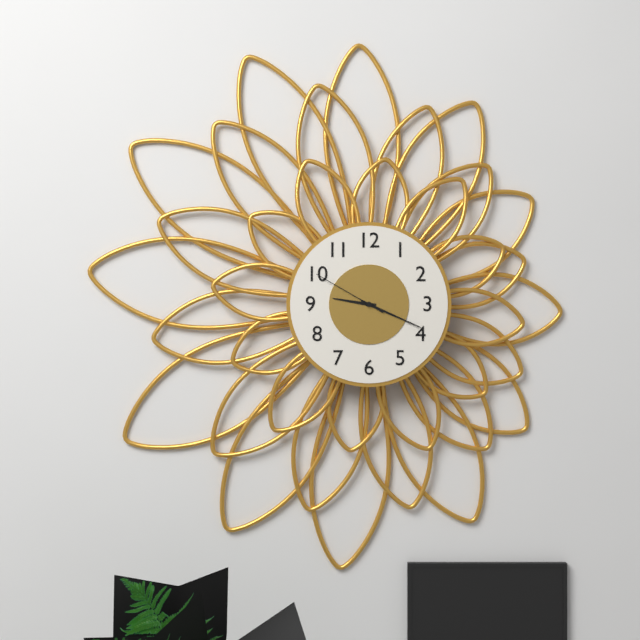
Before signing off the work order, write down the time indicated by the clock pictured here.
9:19:50
